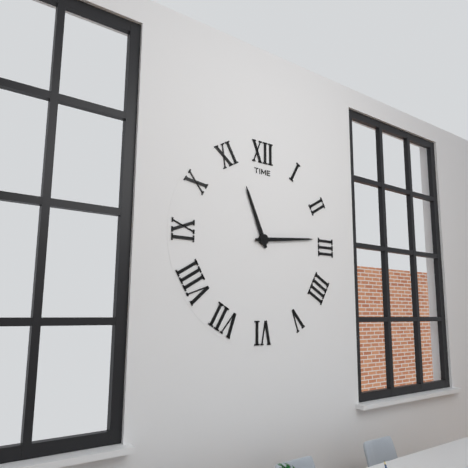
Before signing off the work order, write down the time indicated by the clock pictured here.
11:14
